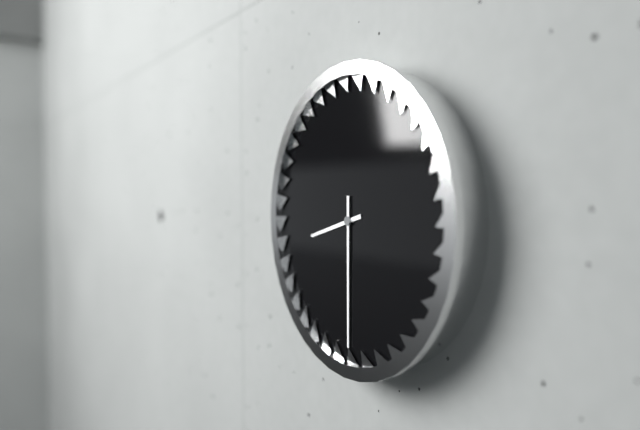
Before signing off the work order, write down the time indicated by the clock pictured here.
8:30
